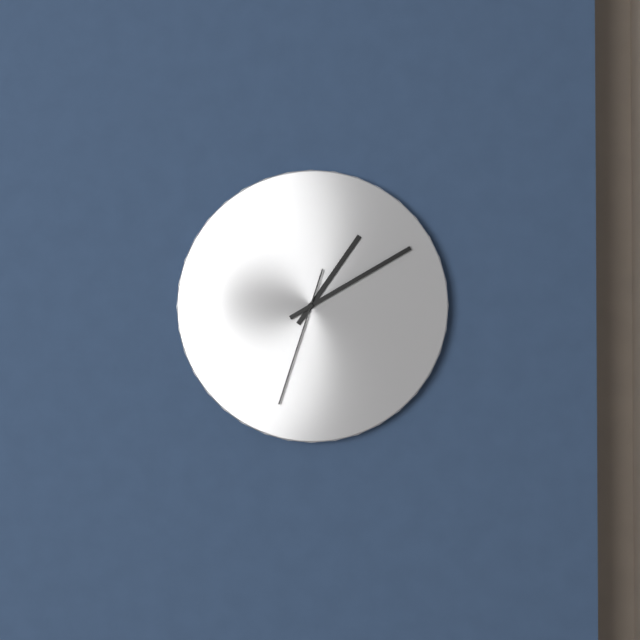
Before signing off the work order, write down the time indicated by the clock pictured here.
1:10:33
